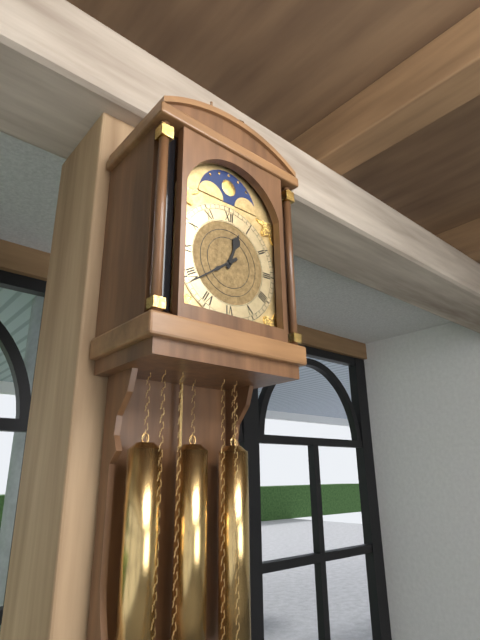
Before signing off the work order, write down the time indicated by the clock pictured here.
12:39
